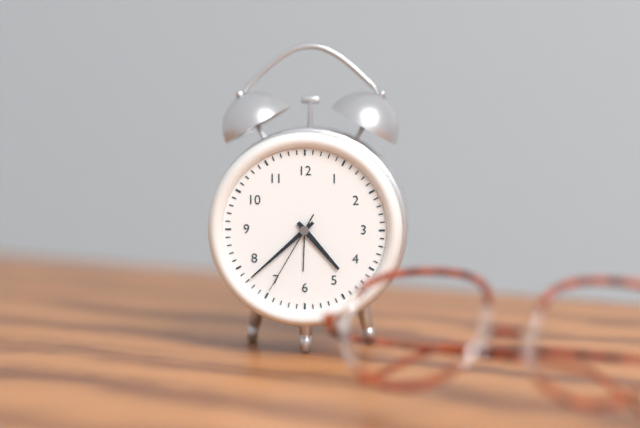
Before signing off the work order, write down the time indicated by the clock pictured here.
4:38:35
